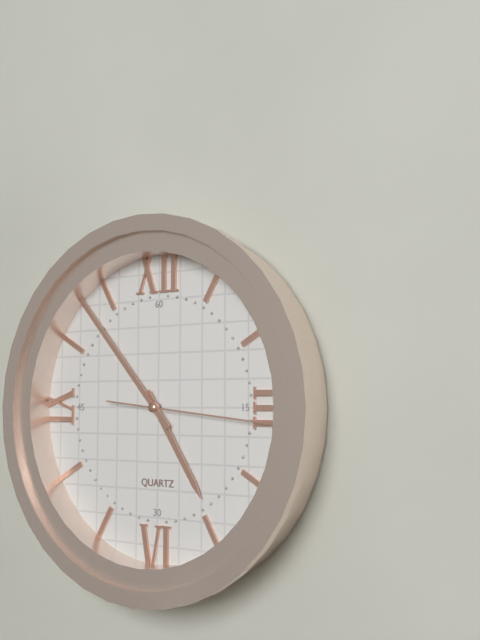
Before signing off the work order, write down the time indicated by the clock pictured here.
4:53:16
